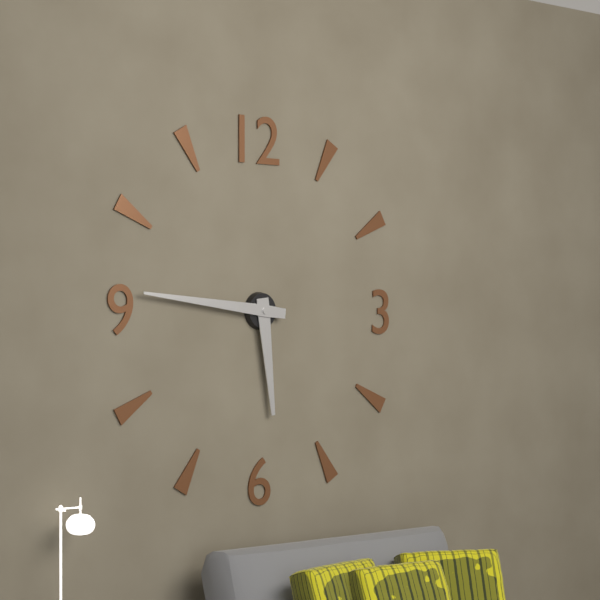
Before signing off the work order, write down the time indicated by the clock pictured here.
5:46
